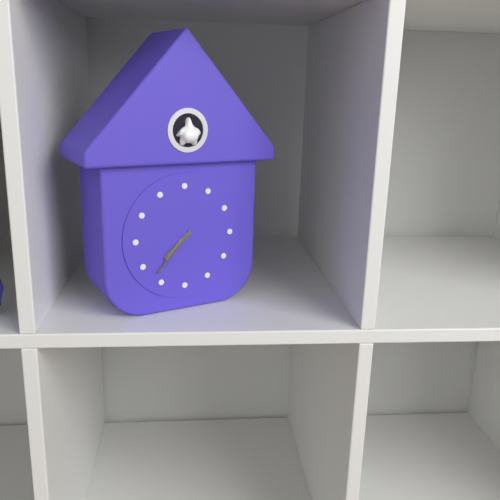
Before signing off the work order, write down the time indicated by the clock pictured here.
7:37
